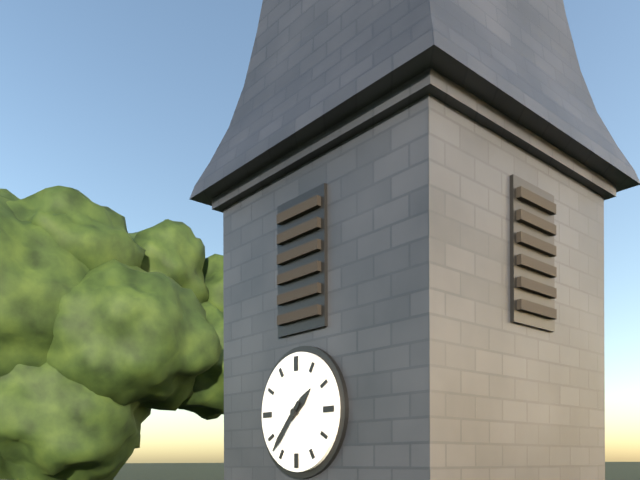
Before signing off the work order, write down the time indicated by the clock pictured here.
1:37
